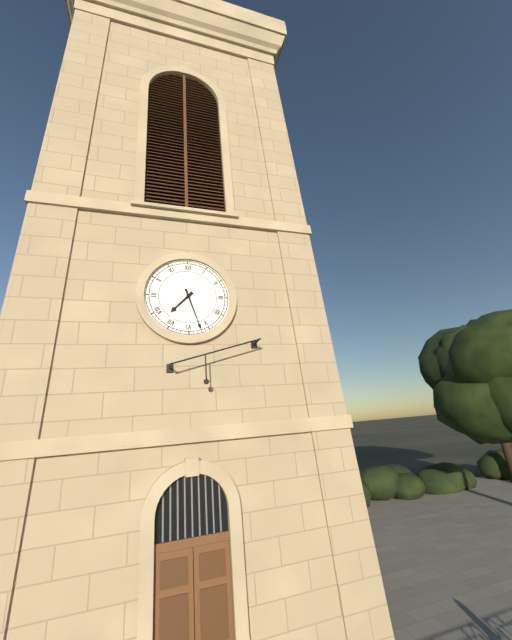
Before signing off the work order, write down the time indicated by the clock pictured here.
7:27
